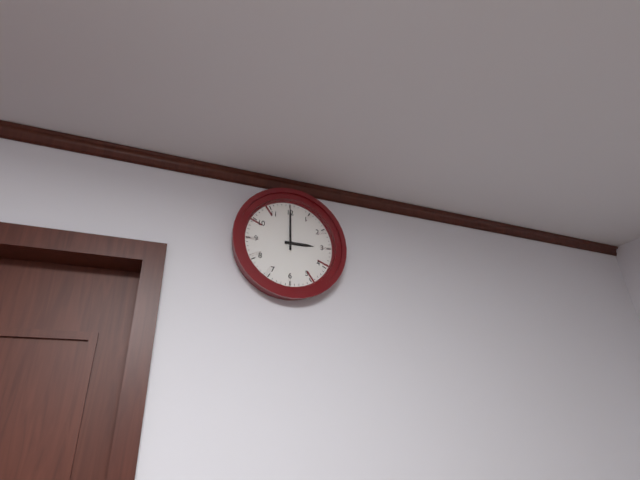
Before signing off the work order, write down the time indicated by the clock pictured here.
3:00
